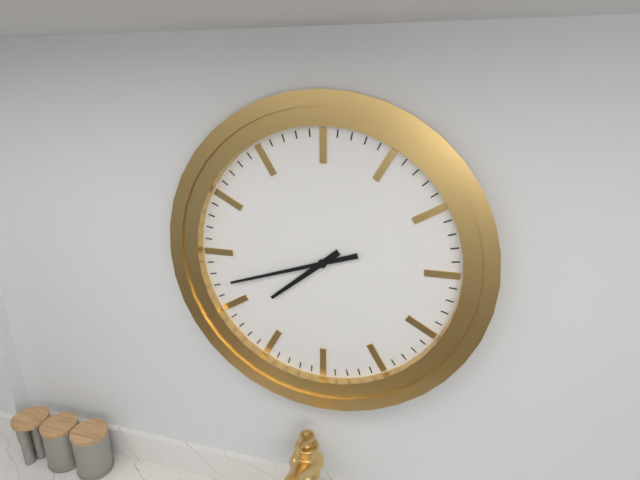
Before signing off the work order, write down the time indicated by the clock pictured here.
7:42
